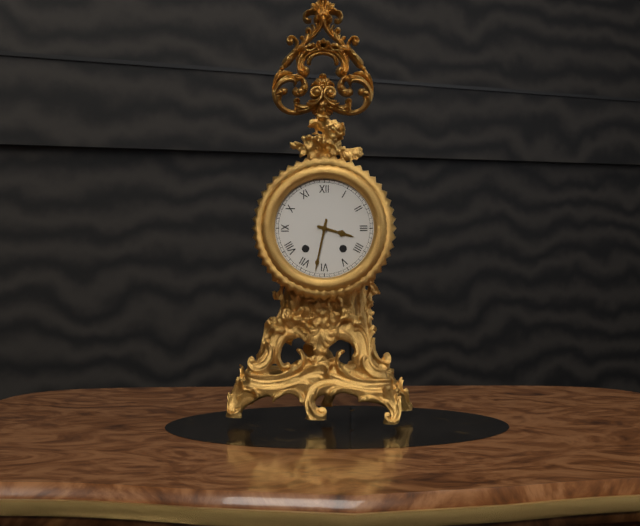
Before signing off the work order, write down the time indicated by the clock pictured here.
3:32
